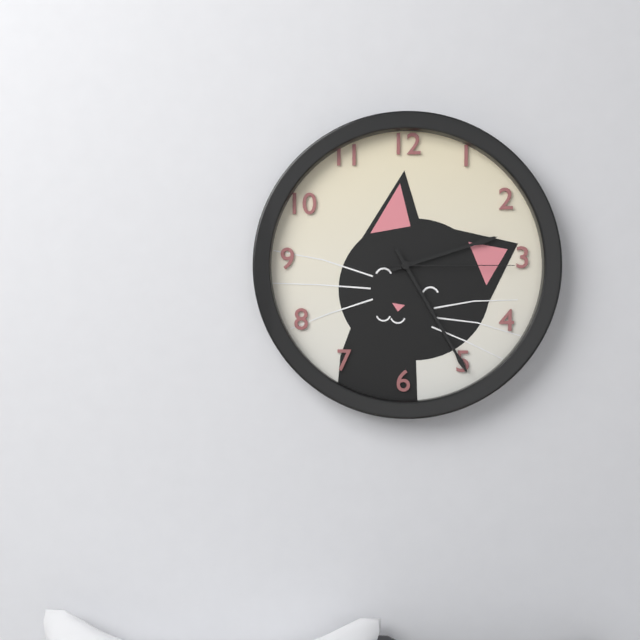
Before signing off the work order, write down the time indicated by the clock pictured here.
2:25:15
